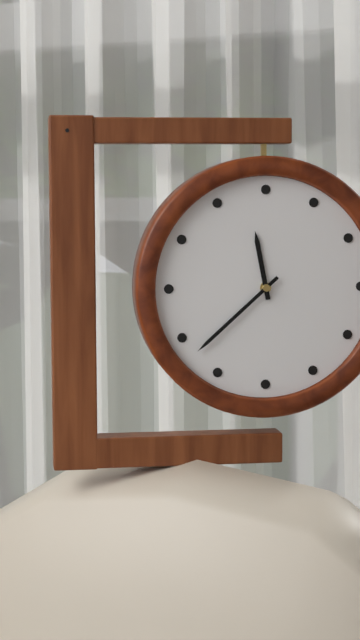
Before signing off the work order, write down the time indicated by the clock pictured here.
11:38
